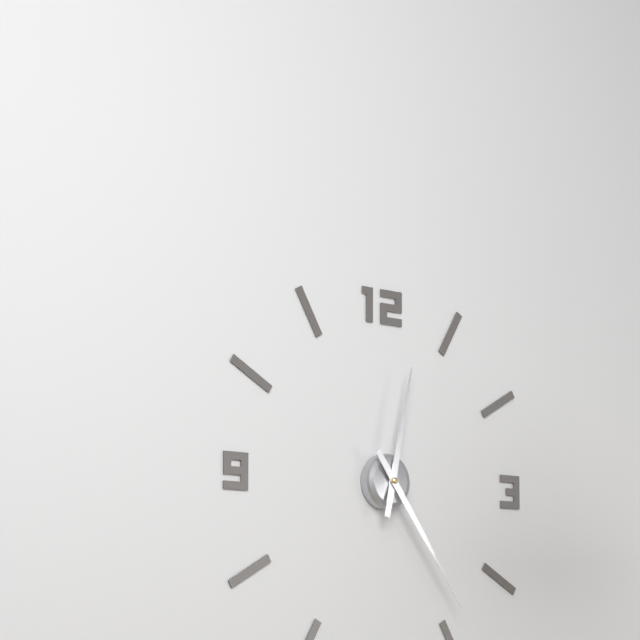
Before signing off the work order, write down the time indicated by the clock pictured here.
12:24
